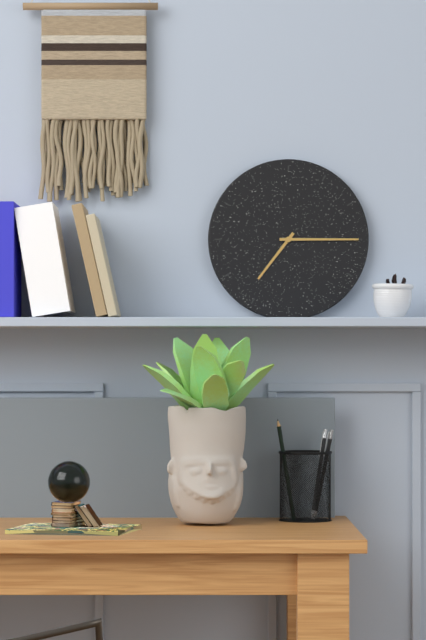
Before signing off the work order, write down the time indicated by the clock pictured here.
7:15
